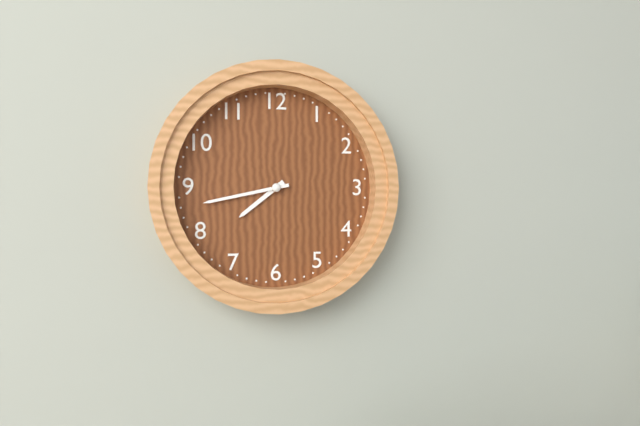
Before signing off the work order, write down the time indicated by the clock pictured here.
7:43
